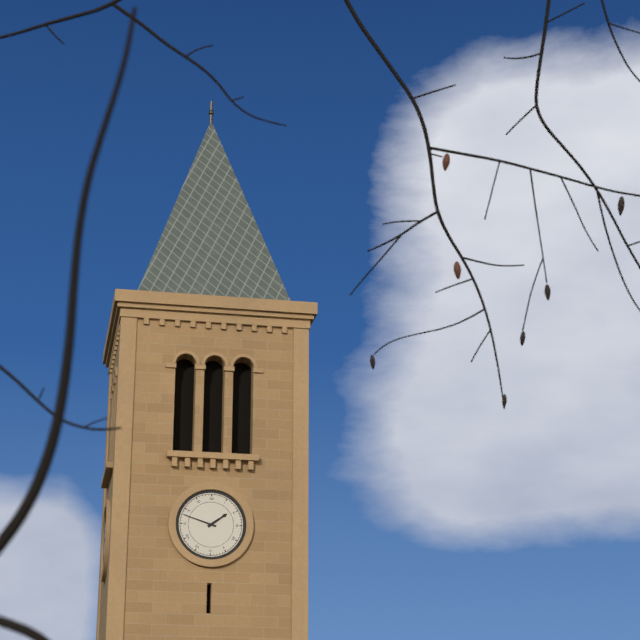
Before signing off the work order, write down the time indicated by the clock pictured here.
1:48
